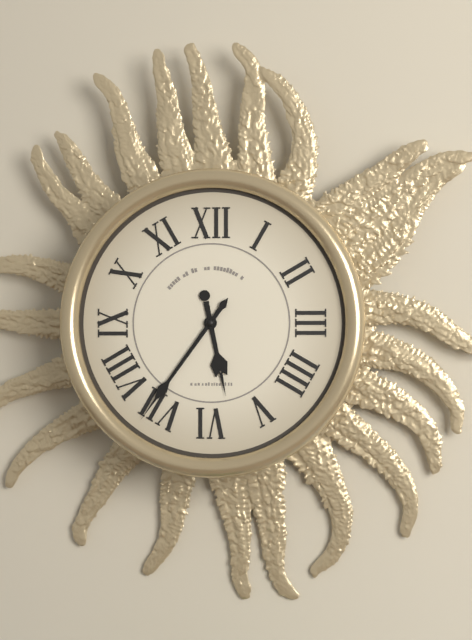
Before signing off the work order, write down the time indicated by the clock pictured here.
5:36
